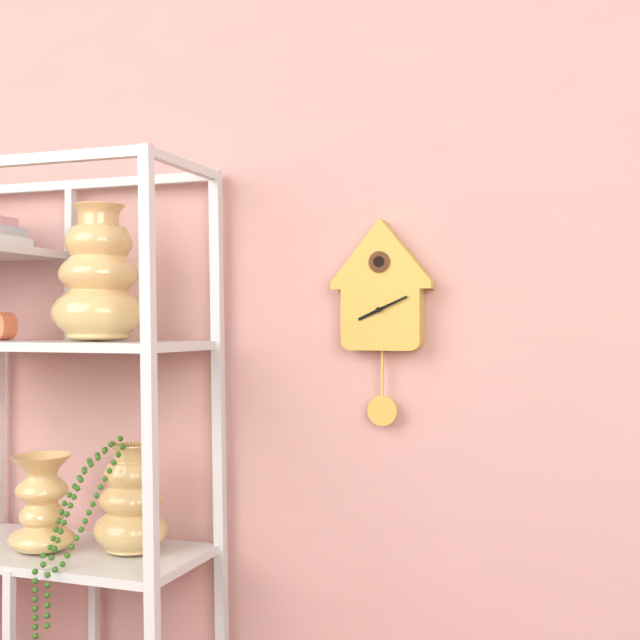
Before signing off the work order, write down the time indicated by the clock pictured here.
8:11
